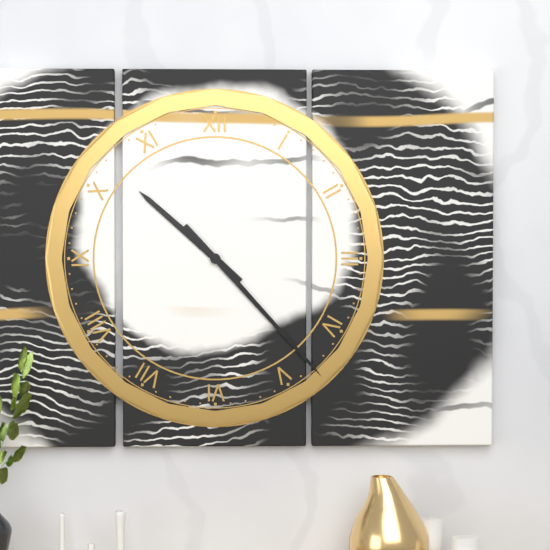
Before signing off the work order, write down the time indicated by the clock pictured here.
10:23
